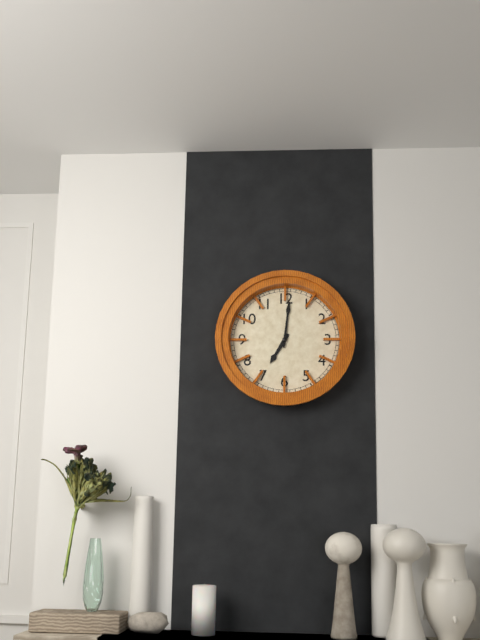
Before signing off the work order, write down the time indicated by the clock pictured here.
7:01
